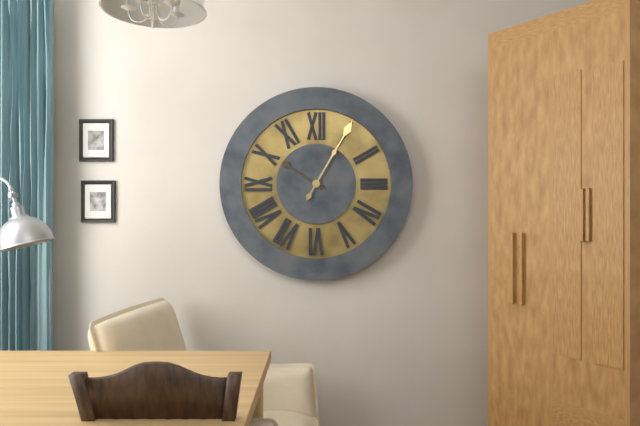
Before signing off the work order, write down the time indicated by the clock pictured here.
10:05
